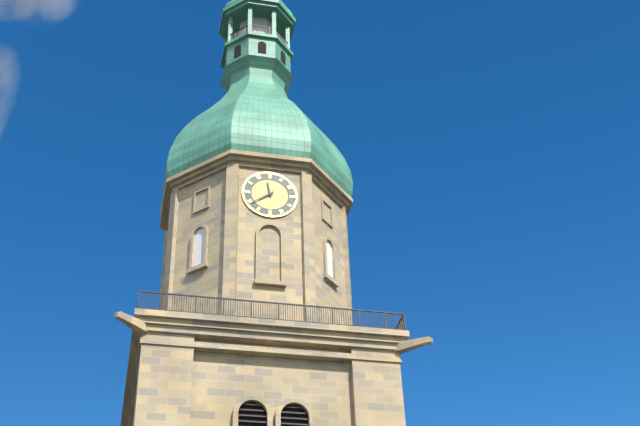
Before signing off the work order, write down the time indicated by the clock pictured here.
11:39
